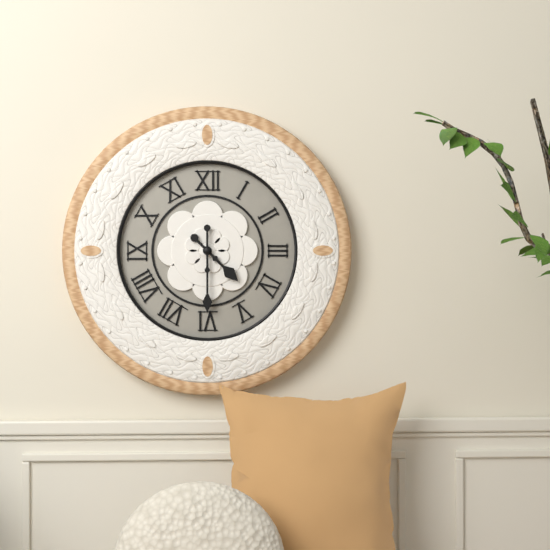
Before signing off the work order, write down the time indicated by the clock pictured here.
4:30
